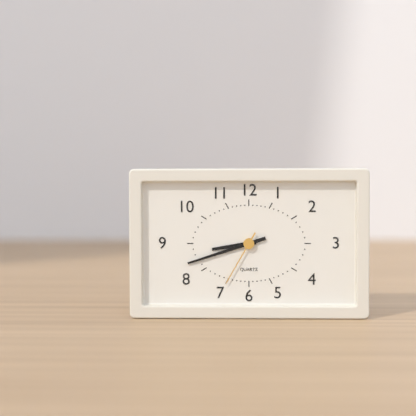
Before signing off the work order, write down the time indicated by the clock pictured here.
8:42:35
